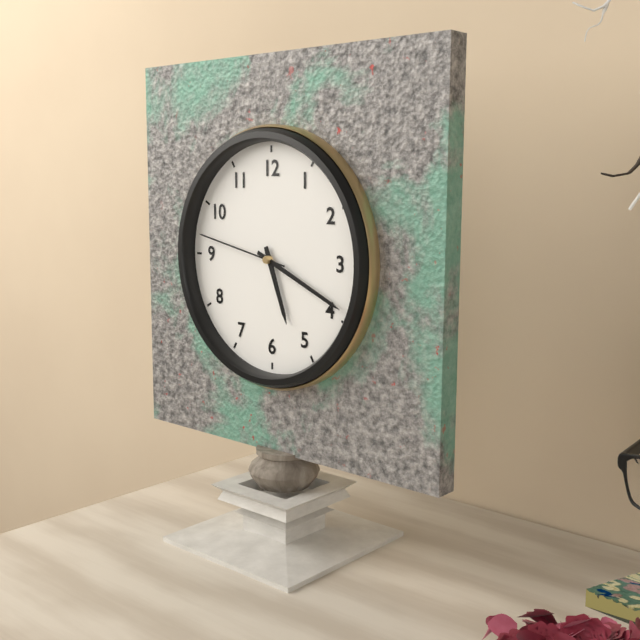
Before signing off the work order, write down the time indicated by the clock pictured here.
5:19:47
